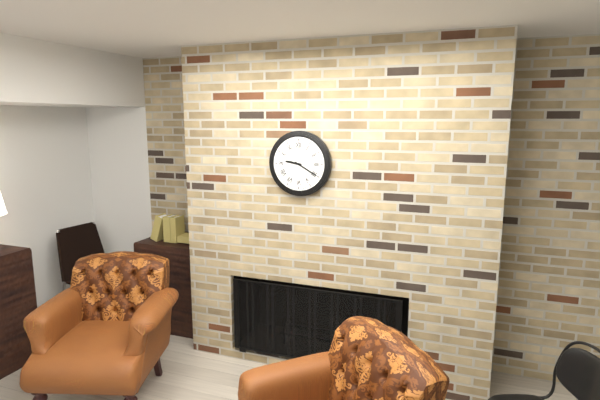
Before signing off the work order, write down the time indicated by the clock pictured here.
9:20
